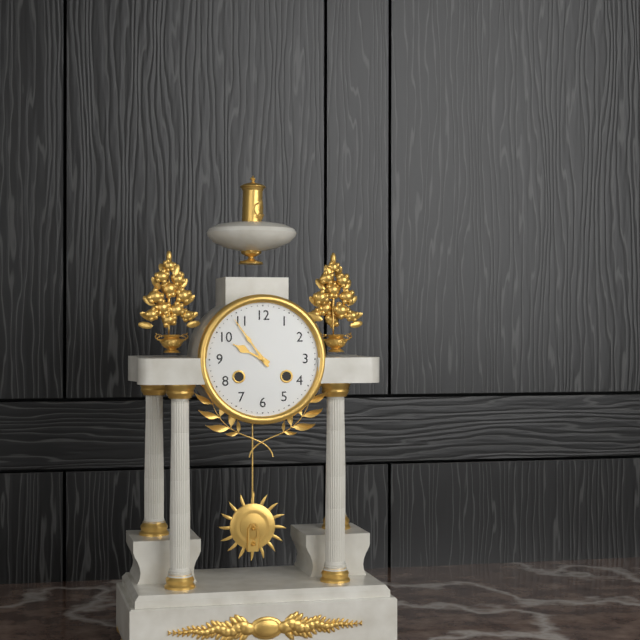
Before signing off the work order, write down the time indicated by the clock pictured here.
9:54
